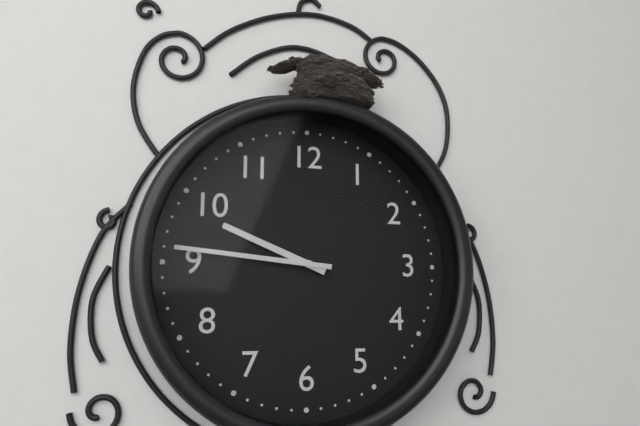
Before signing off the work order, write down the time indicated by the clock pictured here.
9:46
